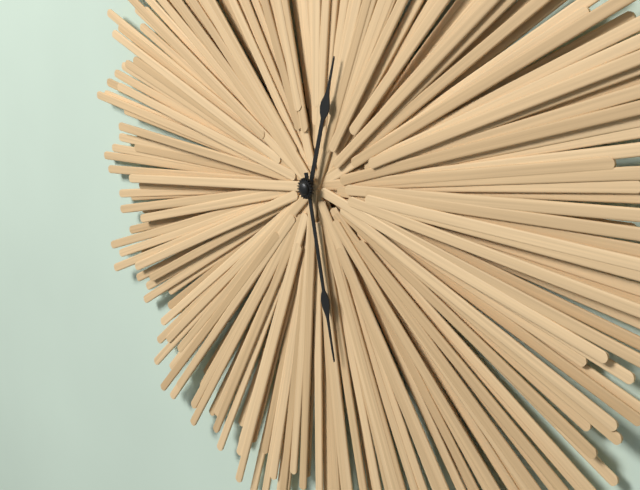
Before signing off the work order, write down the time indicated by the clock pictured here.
12:28
